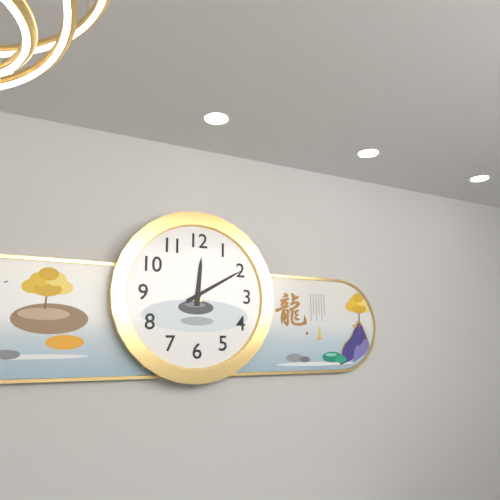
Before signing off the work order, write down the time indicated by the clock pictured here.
12:10
